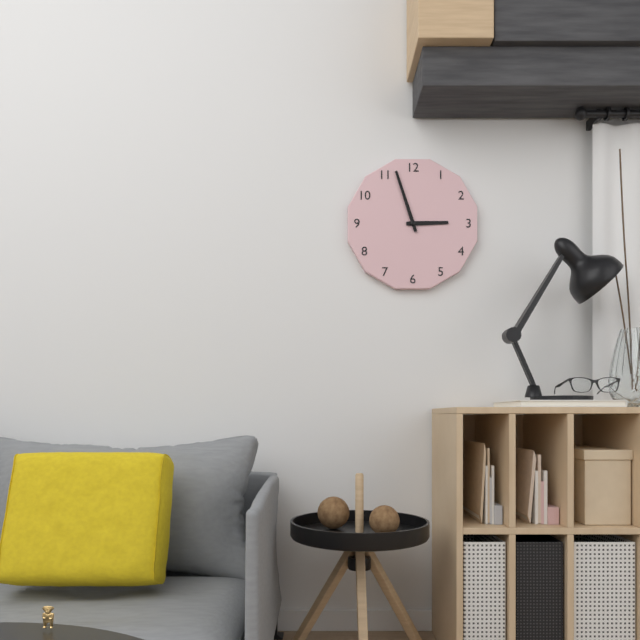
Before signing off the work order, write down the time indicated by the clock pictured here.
2:57
